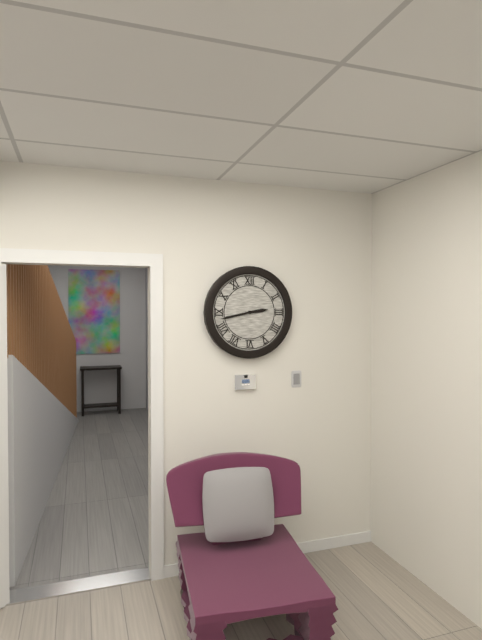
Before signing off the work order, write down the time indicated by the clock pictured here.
2:43
